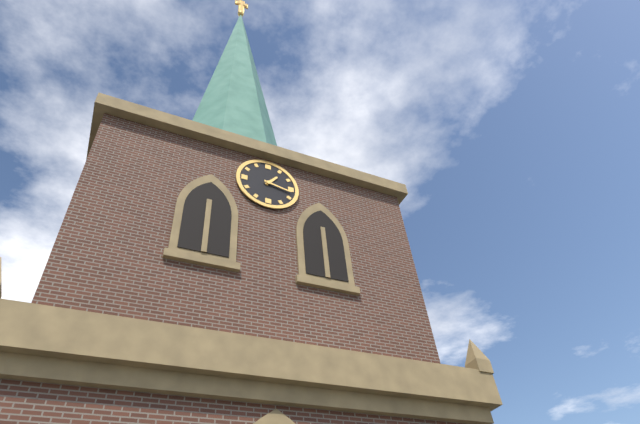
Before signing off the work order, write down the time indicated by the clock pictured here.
1:17
